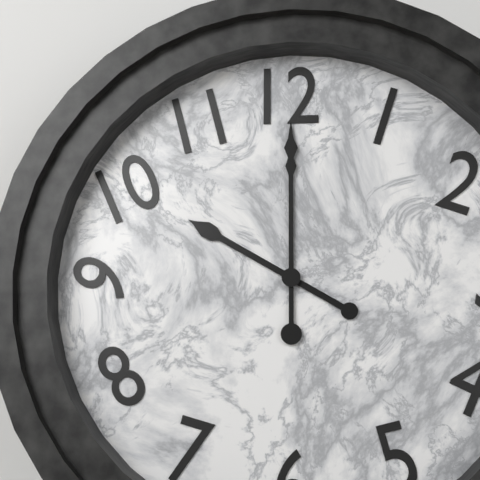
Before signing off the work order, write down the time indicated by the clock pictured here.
10:00
